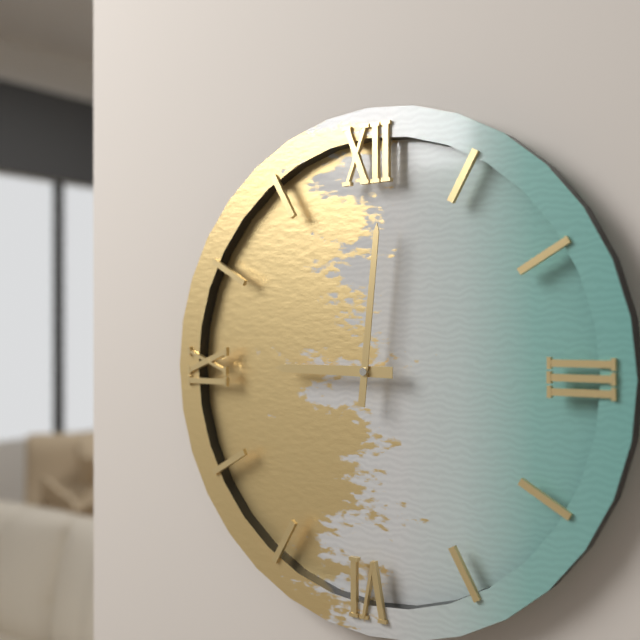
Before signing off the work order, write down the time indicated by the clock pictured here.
9:01
